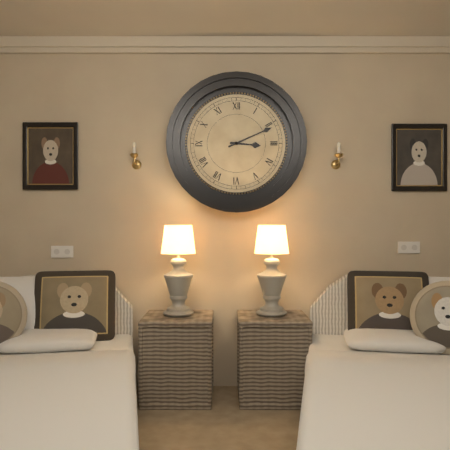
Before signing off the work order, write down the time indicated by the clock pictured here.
3:11
